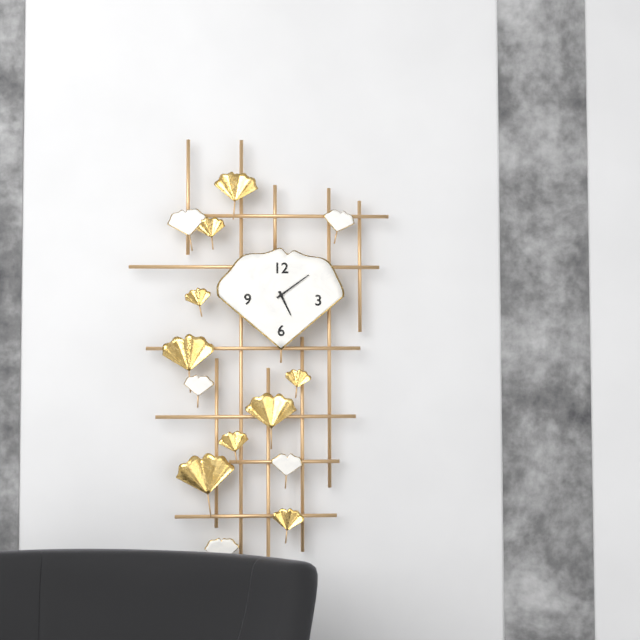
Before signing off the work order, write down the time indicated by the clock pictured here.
5:09
